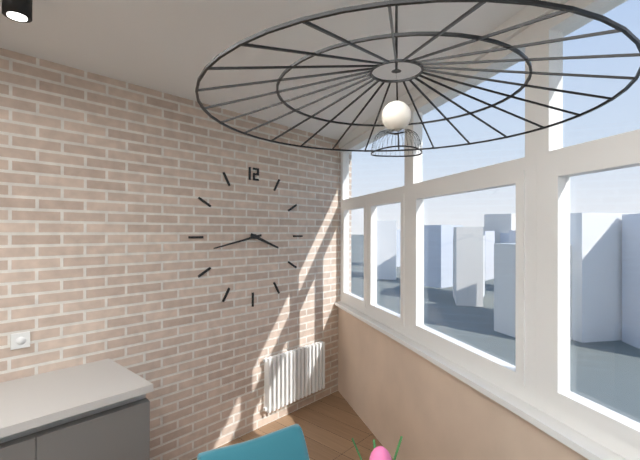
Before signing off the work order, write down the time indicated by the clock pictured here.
3:43
